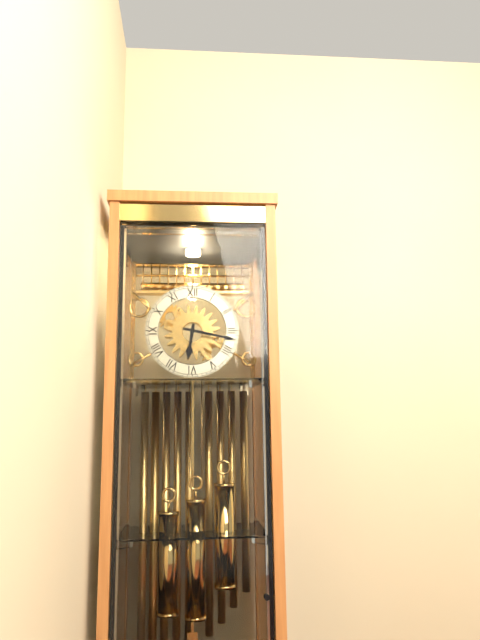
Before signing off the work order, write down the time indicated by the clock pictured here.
6:17
